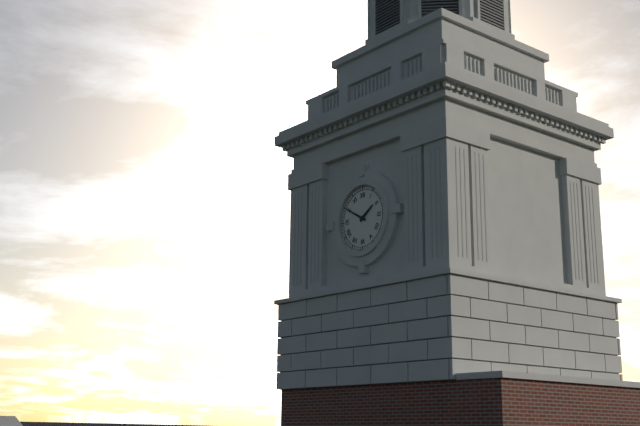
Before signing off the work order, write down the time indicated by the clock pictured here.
1:50
